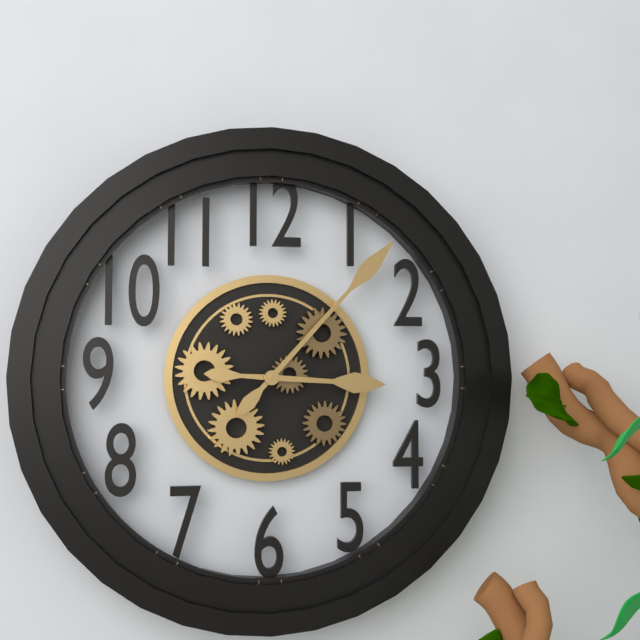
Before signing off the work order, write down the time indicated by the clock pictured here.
3:07
